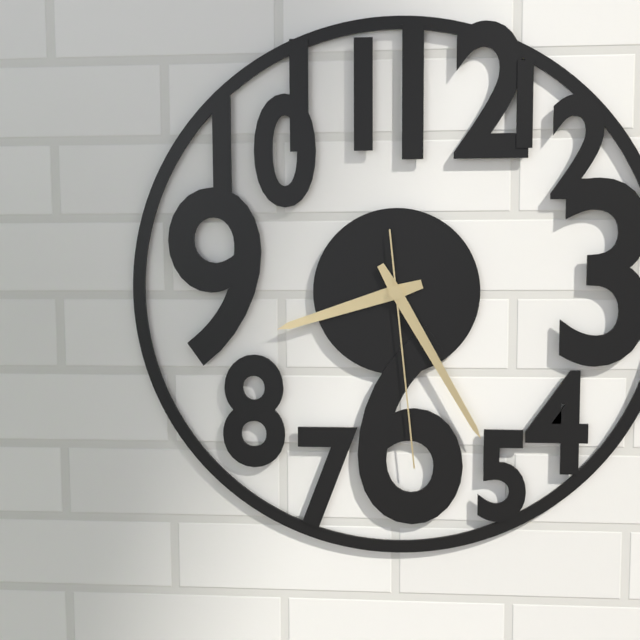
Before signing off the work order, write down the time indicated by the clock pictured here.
8:25:29
